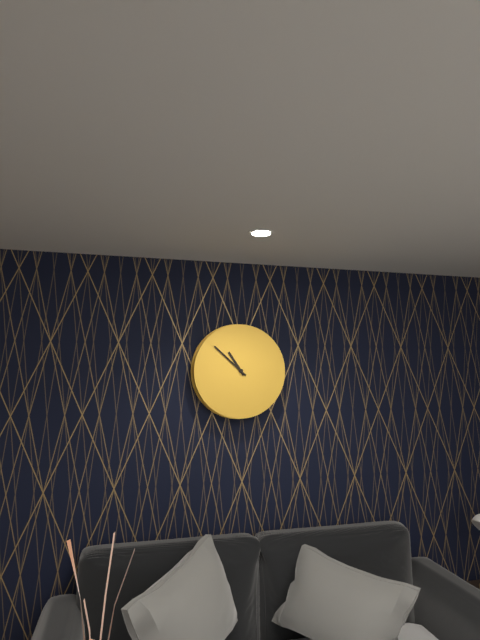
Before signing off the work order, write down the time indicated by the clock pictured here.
10:52
